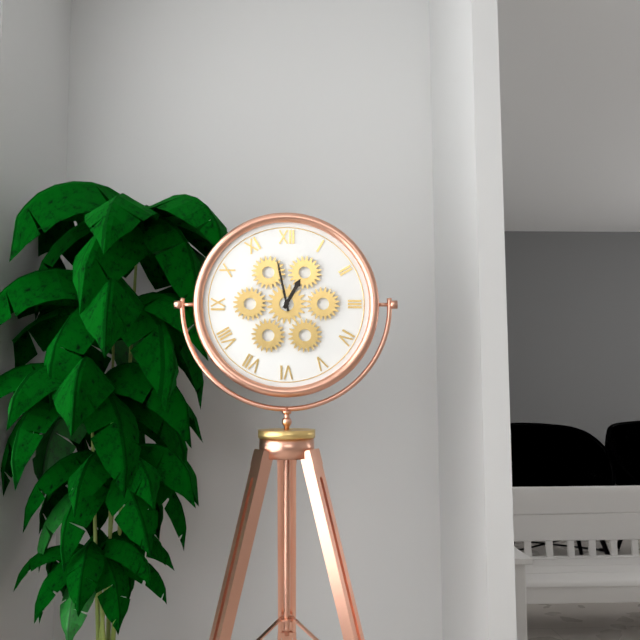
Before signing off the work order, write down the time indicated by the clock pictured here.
12:58
